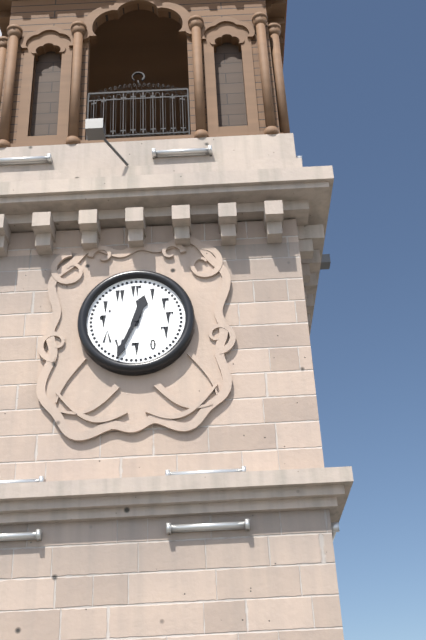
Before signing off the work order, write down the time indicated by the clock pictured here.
12:34
